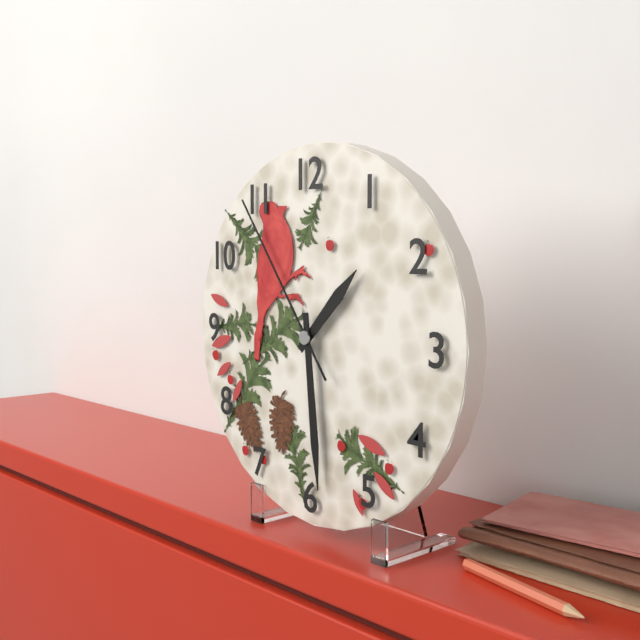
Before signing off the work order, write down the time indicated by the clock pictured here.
1:29:54
